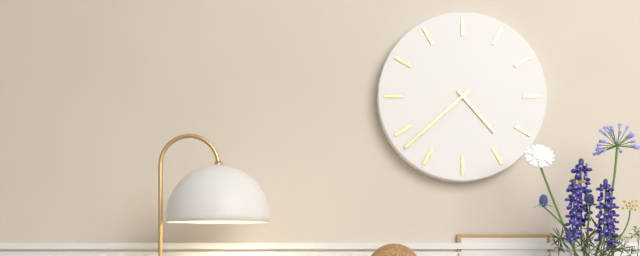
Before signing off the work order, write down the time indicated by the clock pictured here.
4:38
